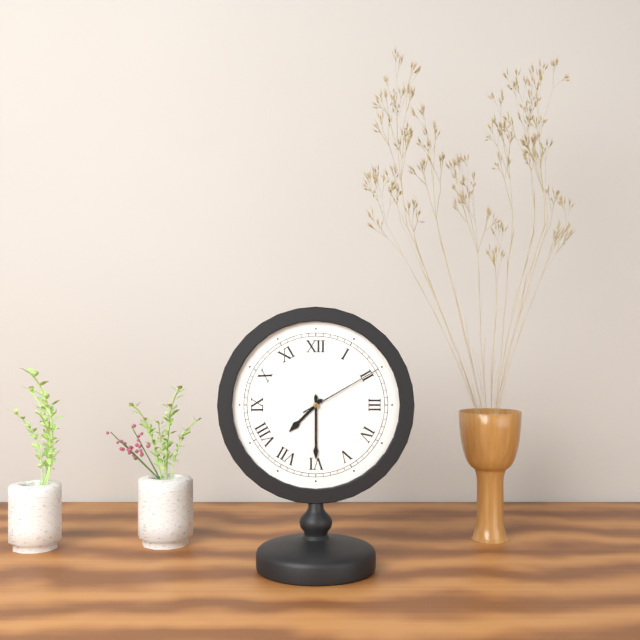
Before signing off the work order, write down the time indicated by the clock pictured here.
7:30:10
